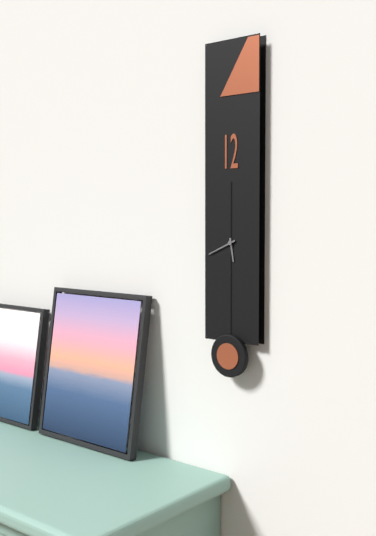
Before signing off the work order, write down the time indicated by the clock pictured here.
5:41
